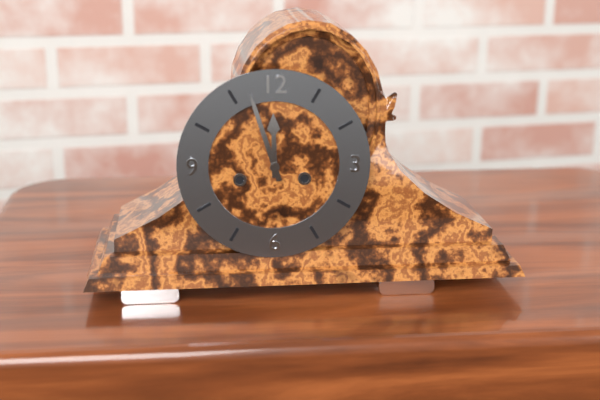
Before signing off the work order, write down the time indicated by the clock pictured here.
11:57
